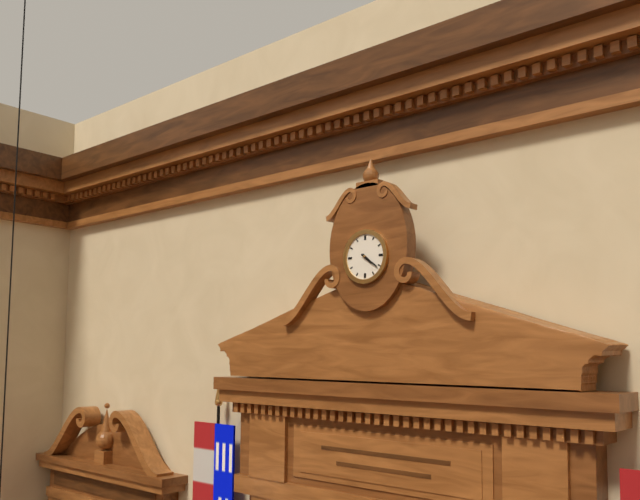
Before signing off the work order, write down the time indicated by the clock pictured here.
4:21
